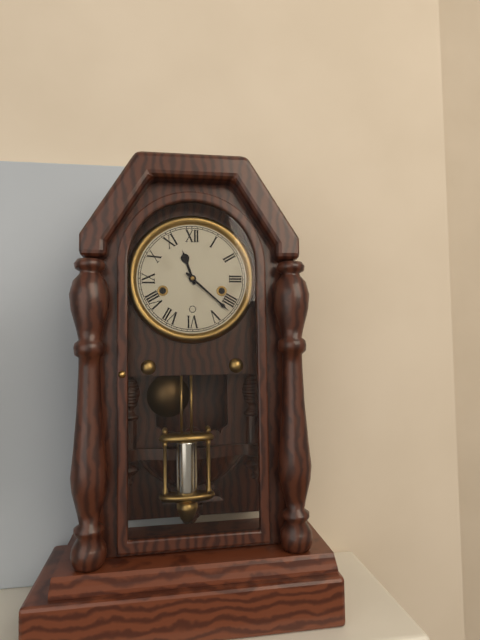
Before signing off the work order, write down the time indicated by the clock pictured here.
11:22
